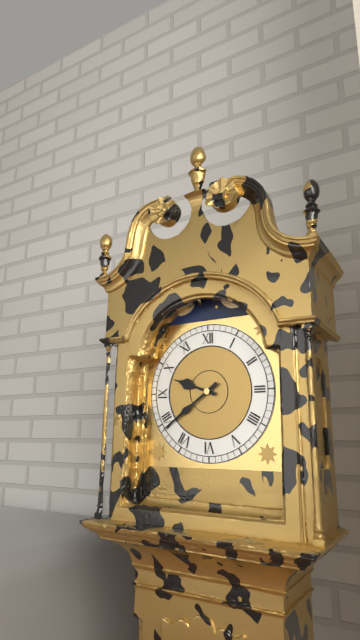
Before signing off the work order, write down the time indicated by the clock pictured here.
9:39
